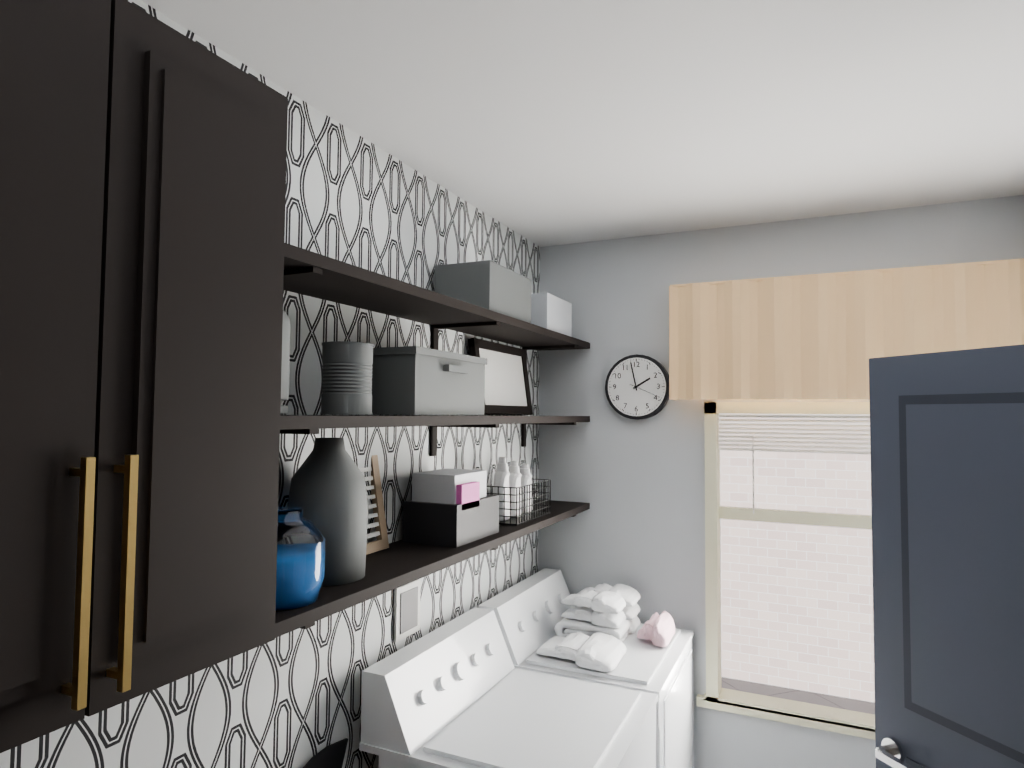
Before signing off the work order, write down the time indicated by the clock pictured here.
1:58
